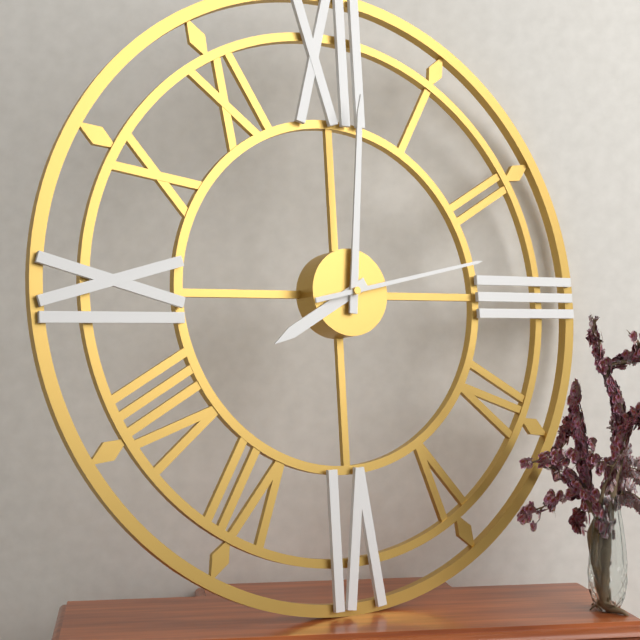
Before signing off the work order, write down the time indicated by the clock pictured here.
8:01:13
